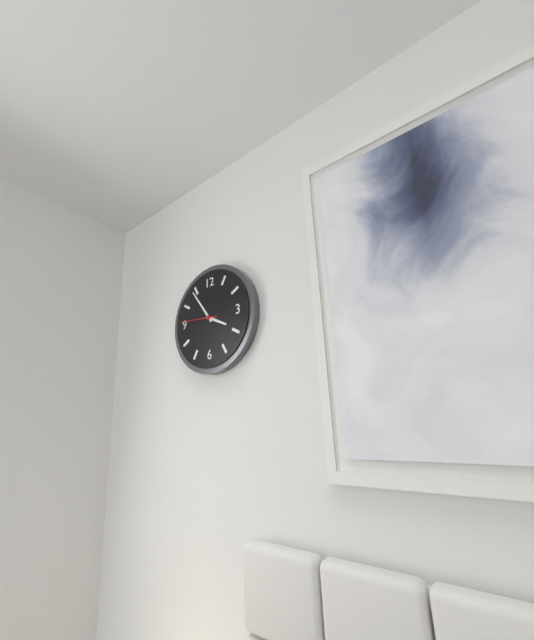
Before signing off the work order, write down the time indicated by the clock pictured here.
3:54
